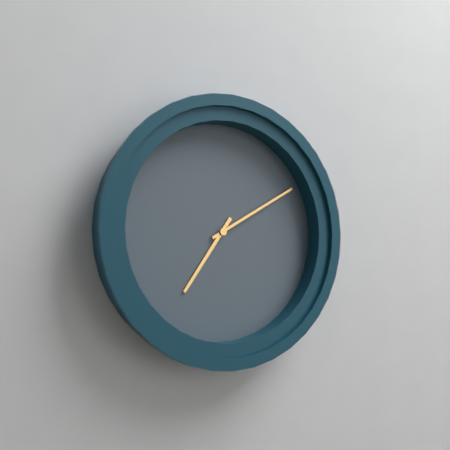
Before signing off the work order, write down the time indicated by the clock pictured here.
7:10
